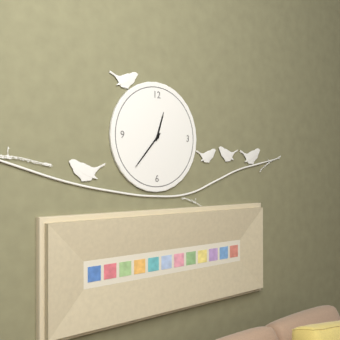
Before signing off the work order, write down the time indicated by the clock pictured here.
12:37
